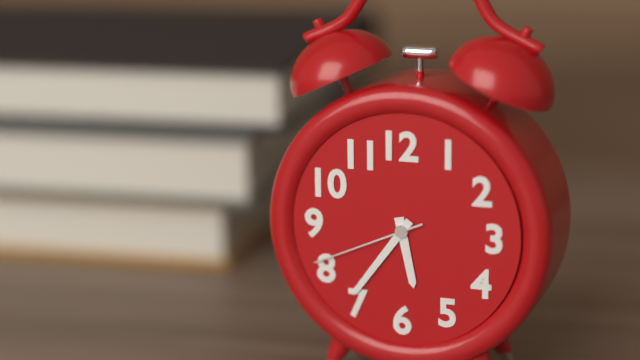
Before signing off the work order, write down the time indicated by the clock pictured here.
5:36:41
